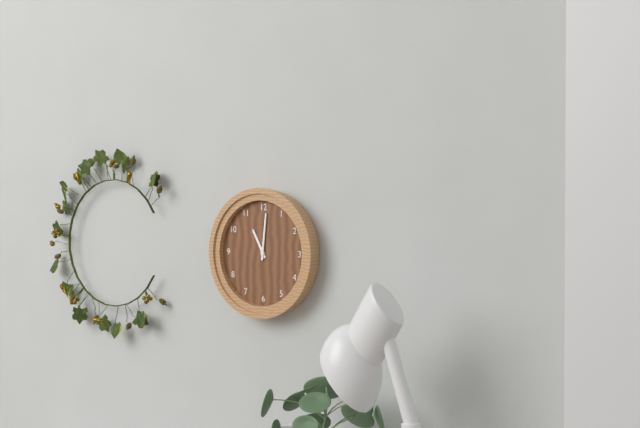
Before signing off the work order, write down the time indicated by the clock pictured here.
11:01
